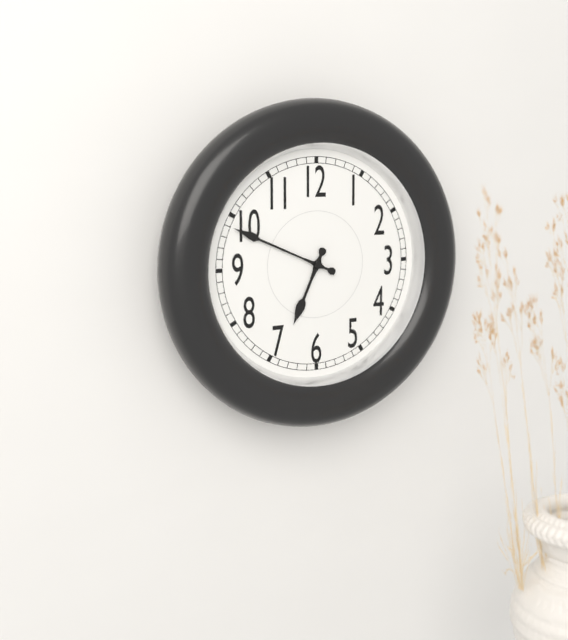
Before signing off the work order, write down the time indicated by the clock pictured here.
6:49
